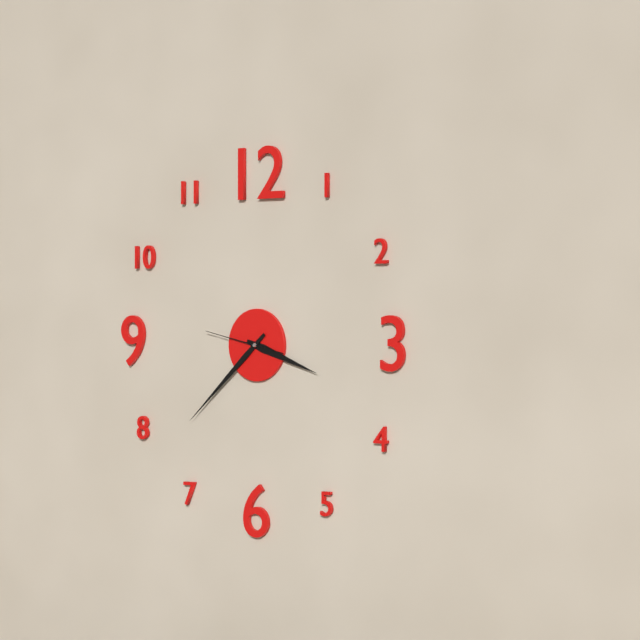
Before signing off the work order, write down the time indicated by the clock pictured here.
3:38:47
